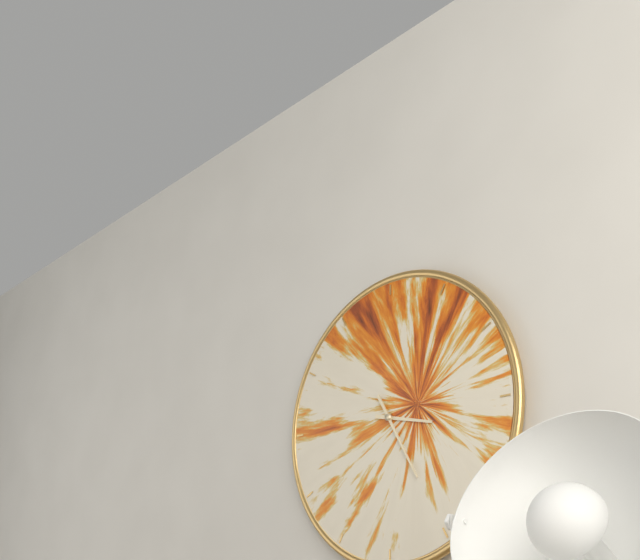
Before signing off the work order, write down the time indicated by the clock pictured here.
3:25
